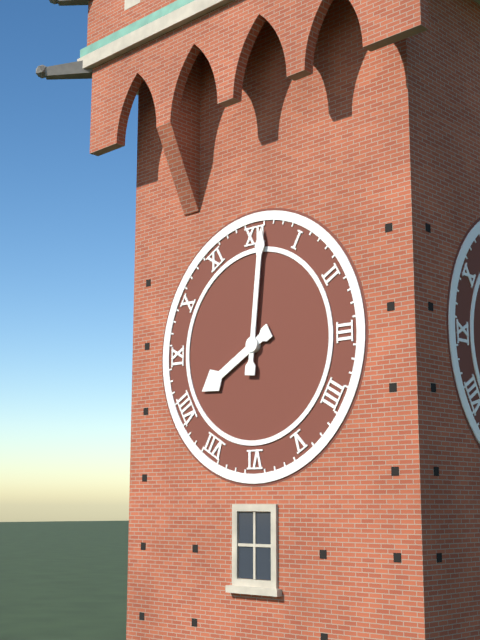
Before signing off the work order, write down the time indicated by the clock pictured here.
8:01
